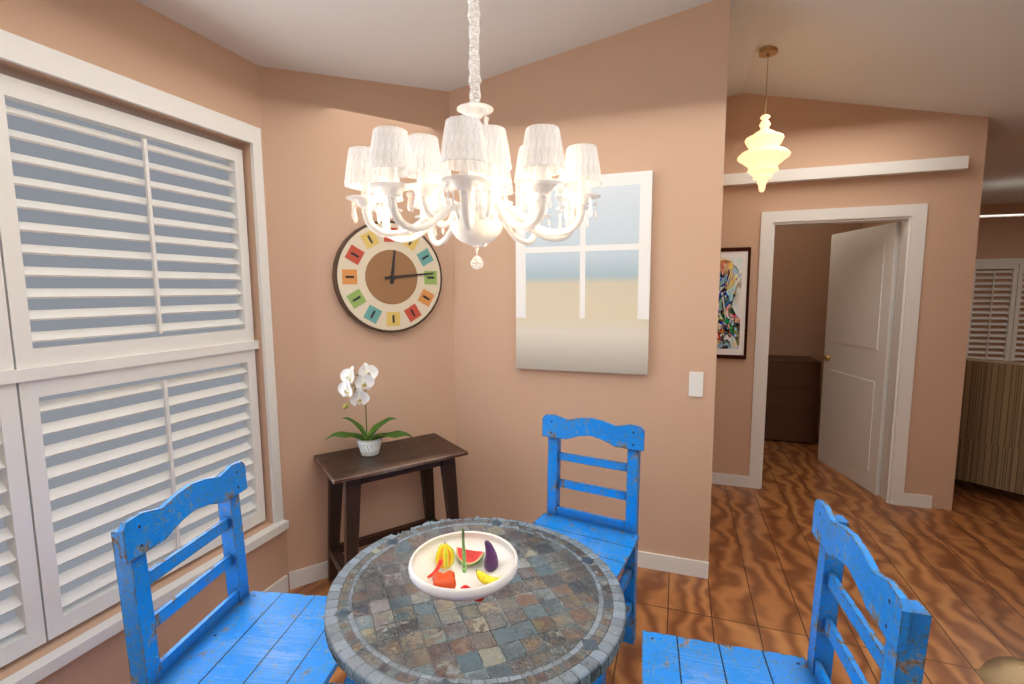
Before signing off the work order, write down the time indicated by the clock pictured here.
12:14
